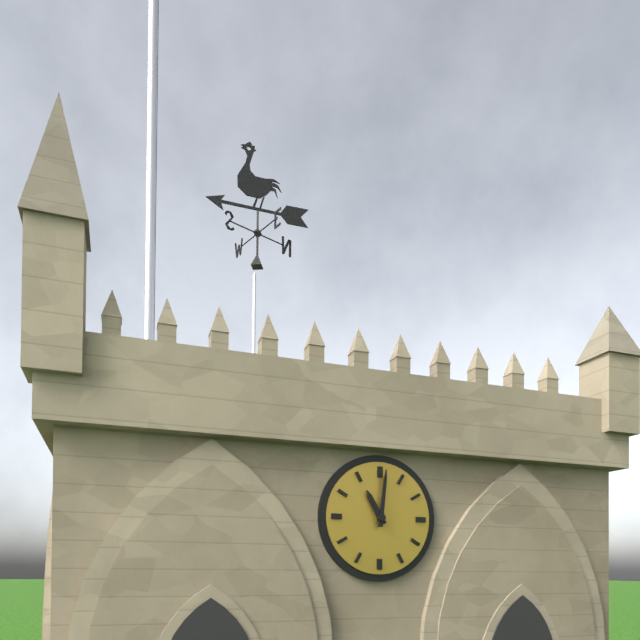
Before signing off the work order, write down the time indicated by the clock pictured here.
11:01
